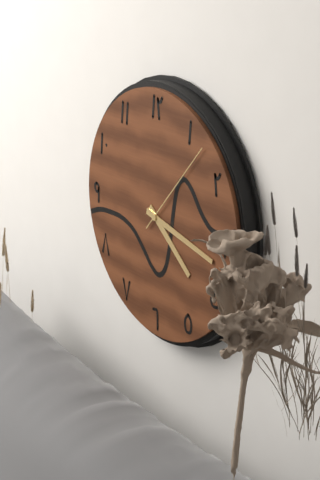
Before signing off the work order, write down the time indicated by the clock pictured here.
4:17:07
